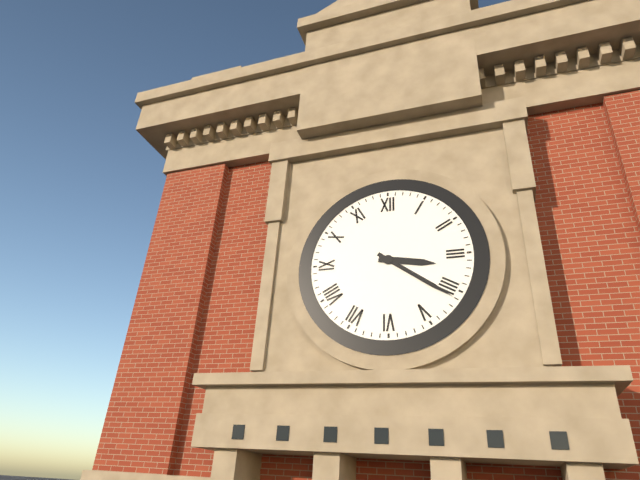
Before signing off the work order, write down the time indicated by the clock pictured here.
3:21
